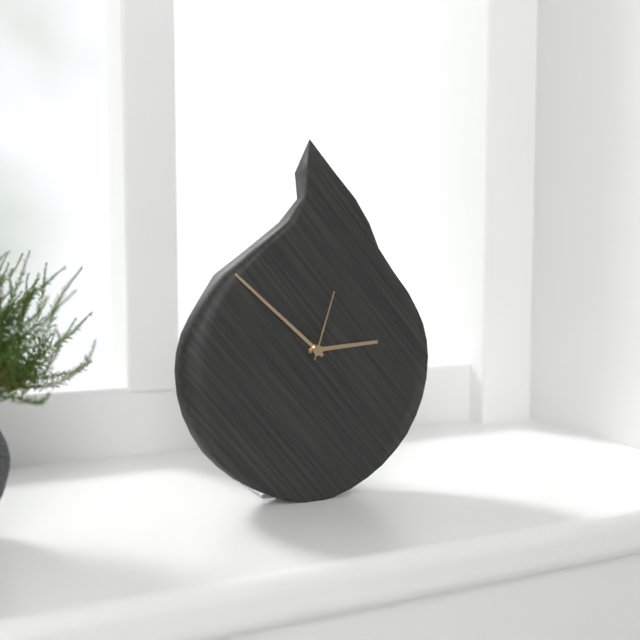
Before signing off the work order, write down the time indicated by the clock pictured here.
2:52:03
